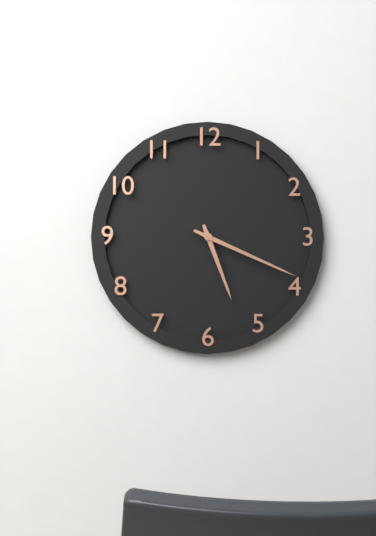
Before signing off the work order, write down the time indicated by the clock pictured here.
5:19
